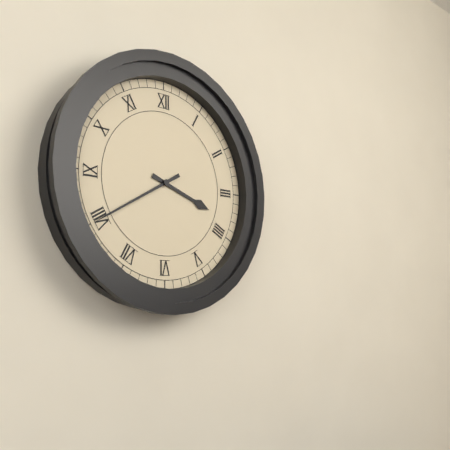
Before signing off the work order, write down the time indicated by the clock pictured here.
3:40
